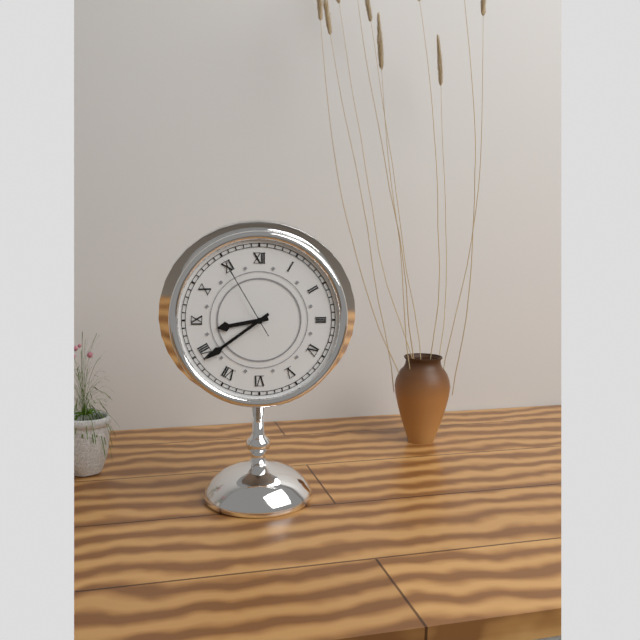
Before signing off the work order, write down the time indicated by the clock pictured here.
8:39:55
